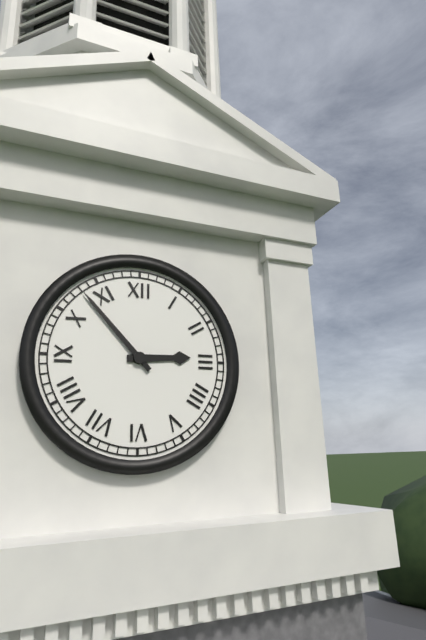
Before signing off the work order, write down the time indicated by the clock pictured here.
2:53
